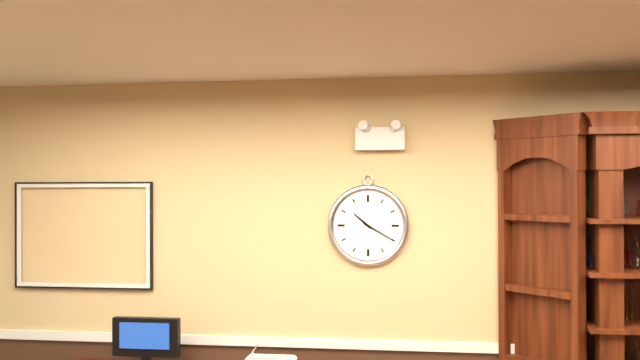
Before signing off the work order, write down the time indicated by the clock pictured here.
10:20
